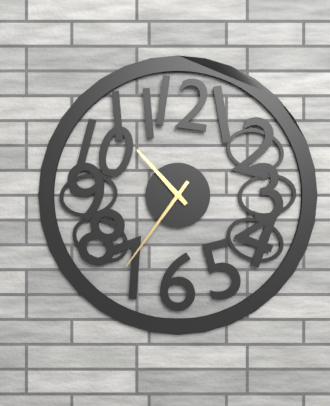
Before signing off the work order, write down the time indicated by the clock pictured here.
10:36
